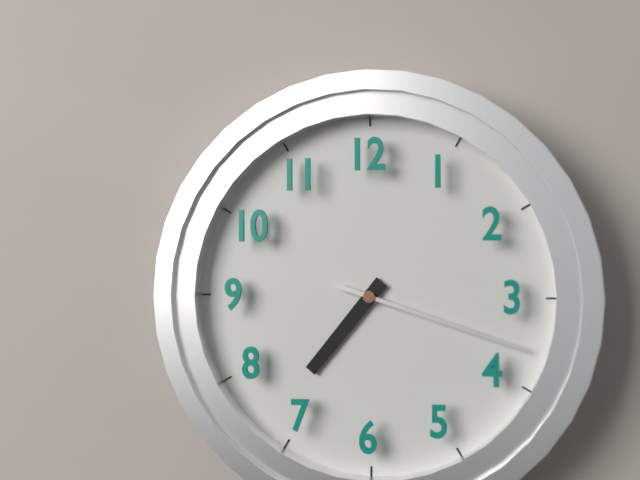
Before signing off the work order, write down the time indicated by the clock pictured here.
7:18
